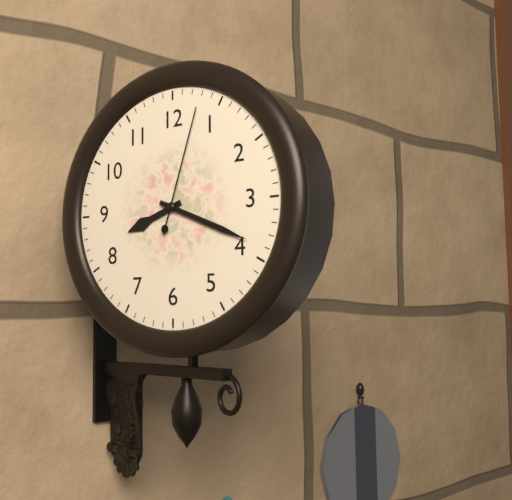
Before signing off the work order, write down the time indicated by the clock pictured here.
8:19:03
